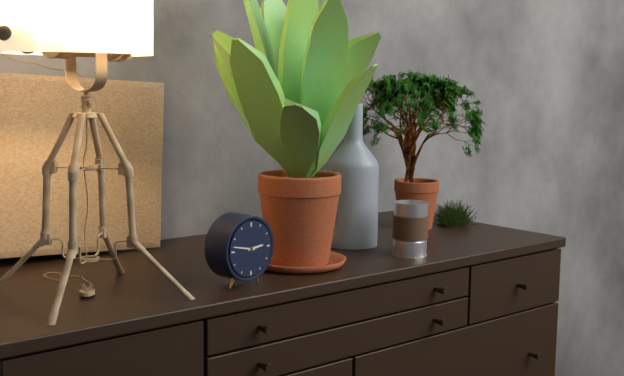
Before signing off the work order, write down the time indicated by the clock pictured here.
2:47
